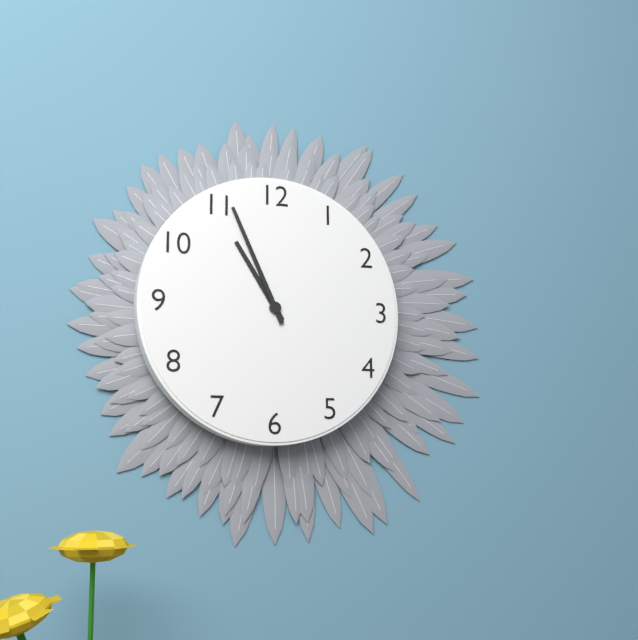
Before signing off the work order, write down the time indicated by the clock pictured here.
10:56
